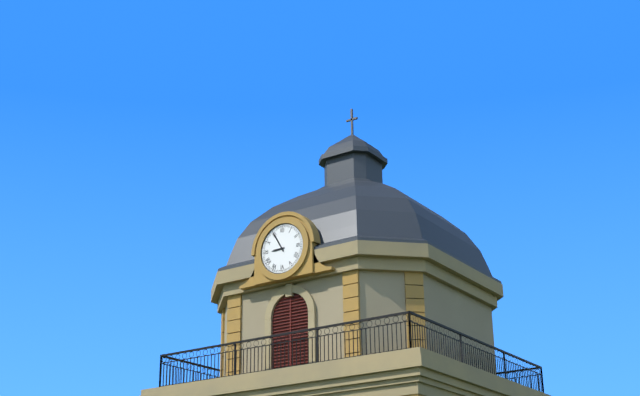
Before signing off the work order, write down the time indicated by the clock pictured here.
8:55
